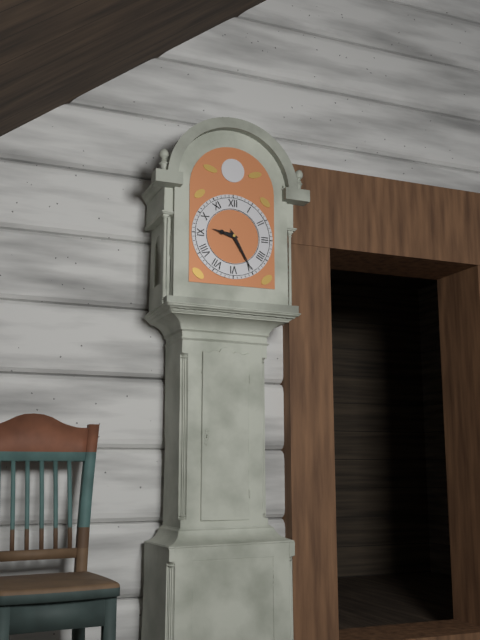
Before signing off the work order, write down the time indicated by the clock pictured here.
9:25
